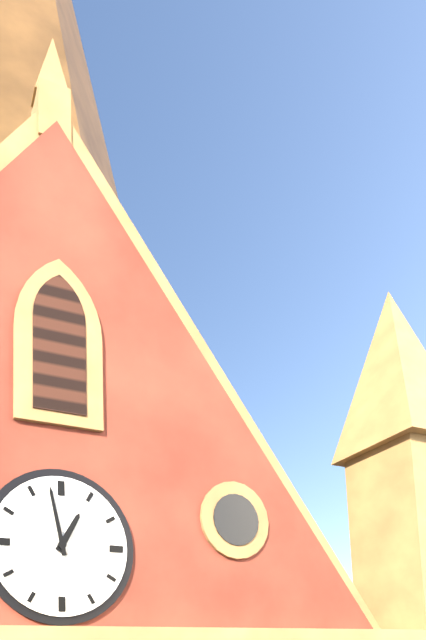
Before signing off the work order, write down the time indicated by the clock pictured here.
12:58
